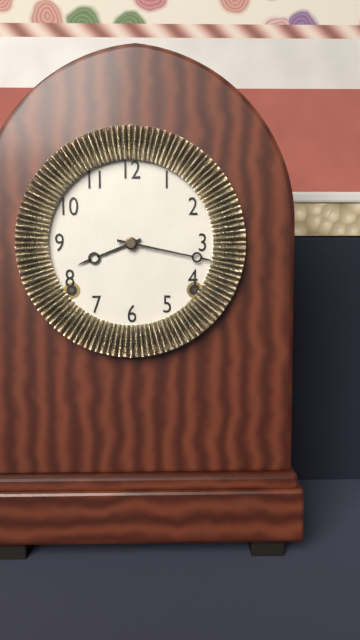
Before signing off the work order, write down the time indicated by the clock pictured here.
8:17
